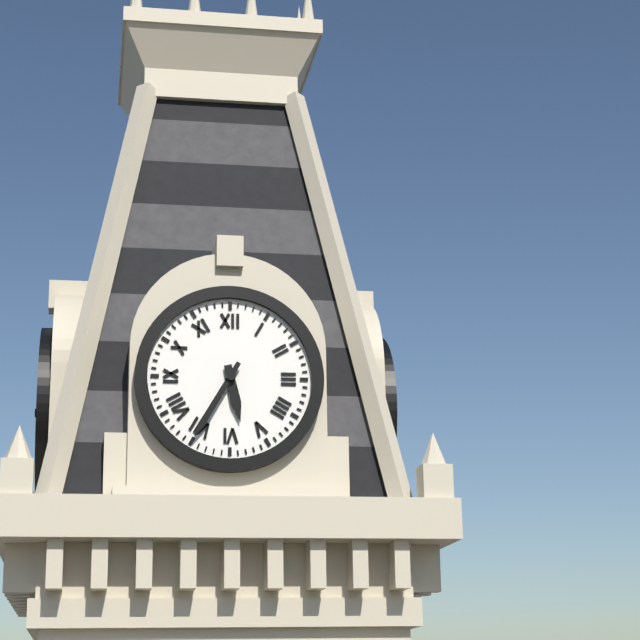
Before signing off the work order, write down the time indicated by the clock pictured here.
5:35
